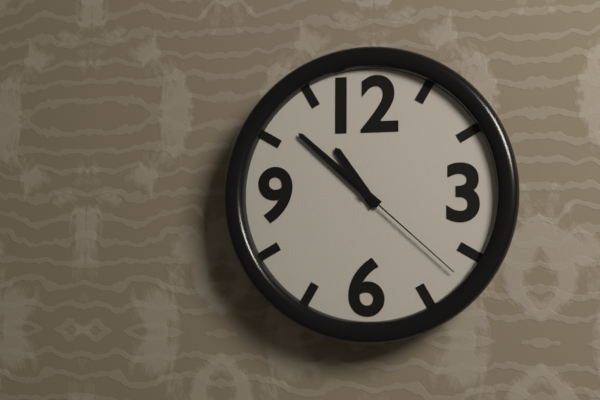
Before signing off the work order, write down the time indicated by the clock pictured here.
10:52:22
